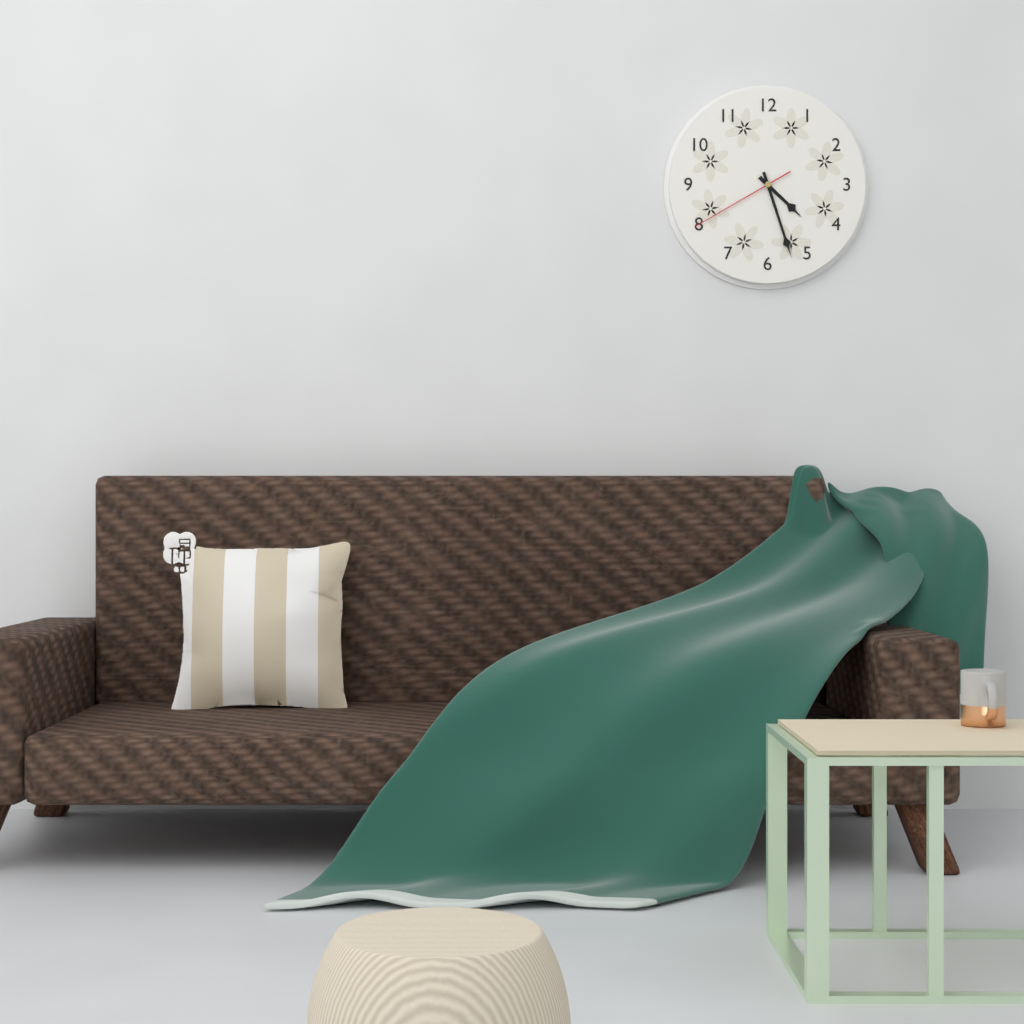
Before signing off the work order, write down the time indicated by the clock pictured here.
4:27:40
